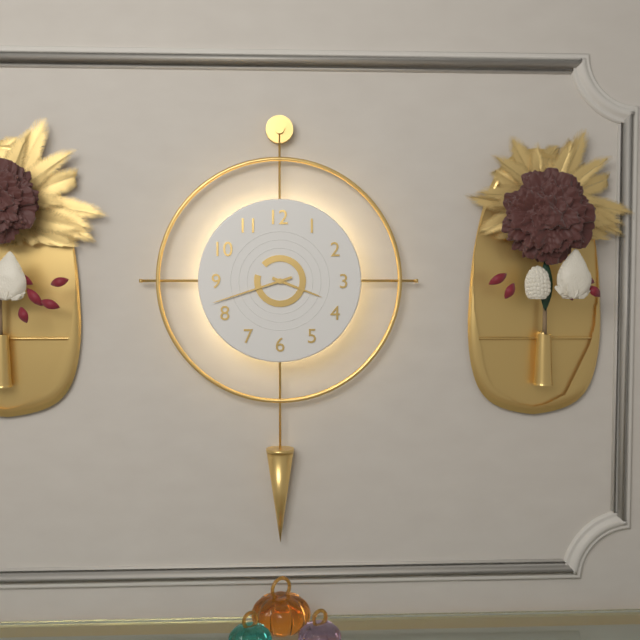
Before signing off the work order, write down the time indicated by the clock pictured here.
3:42
